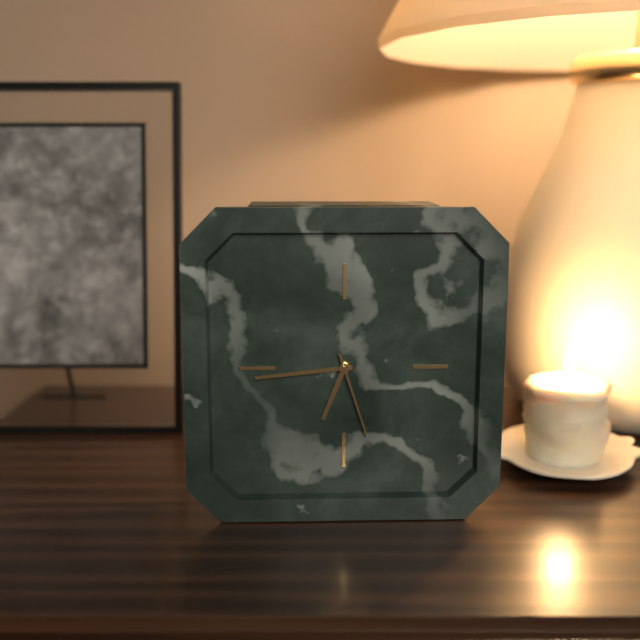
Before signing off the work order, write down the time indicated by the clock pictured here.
6:44:27
